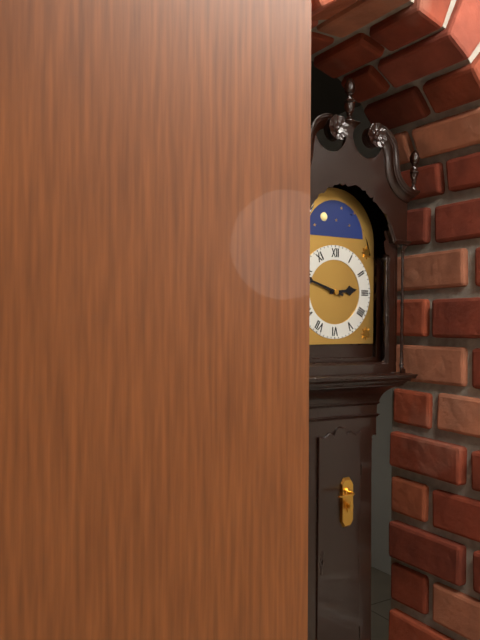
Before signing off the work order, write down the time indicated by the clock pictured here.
2:48
